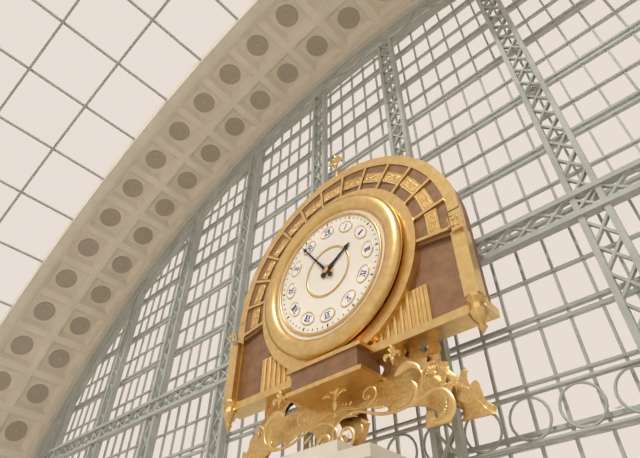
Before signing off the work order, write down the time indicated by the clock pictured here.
1:54
